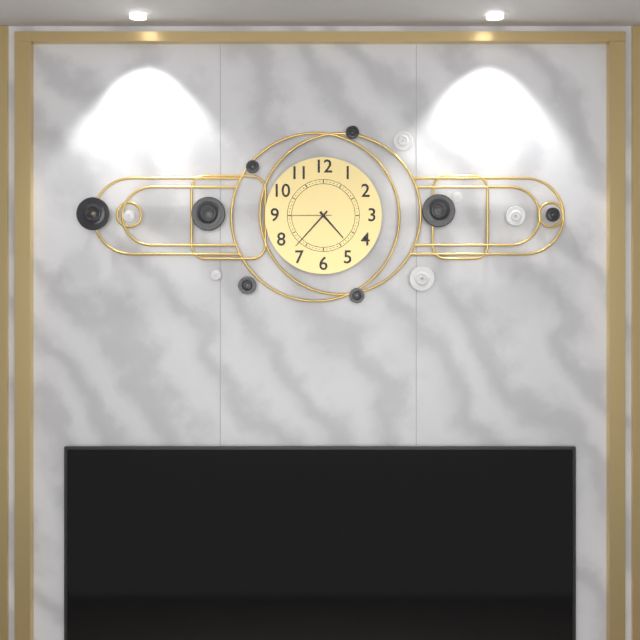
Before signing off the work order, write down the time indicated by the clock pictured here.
4:37
